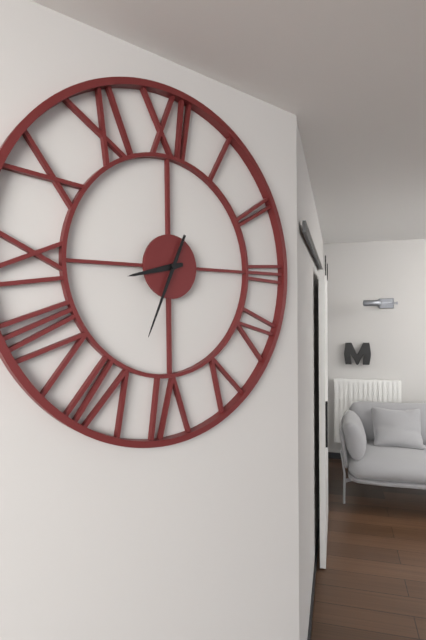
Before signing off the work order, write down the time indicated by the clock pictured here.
8:34
